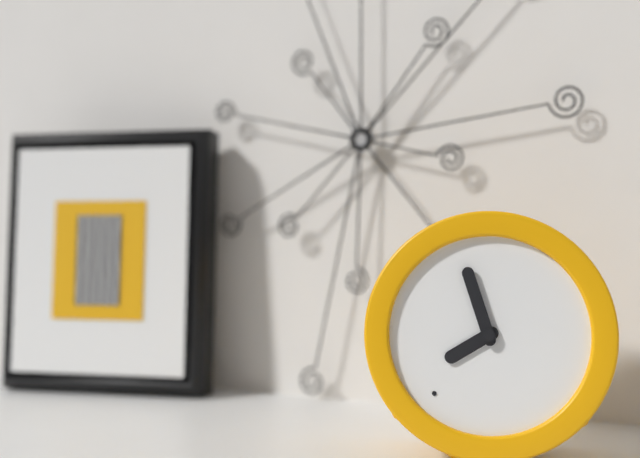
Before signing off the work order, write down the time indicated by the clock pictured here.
7:57
